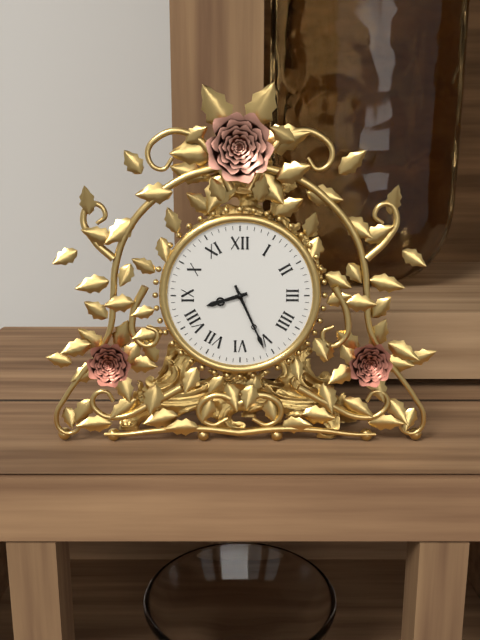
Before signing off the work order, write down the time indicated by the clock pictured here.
8:26
